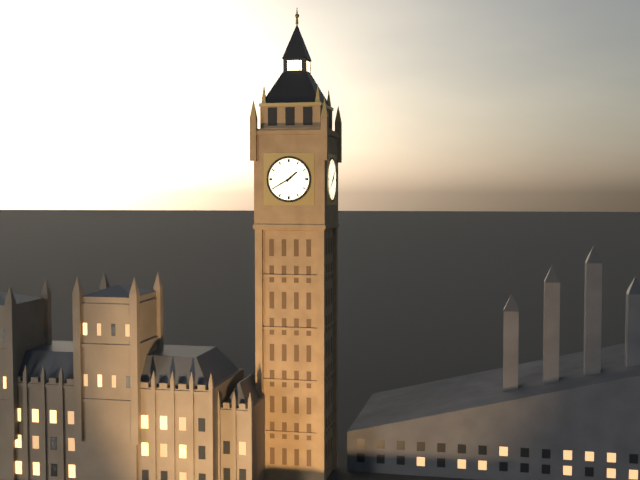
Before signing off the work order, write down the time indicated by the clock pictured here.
1:40
